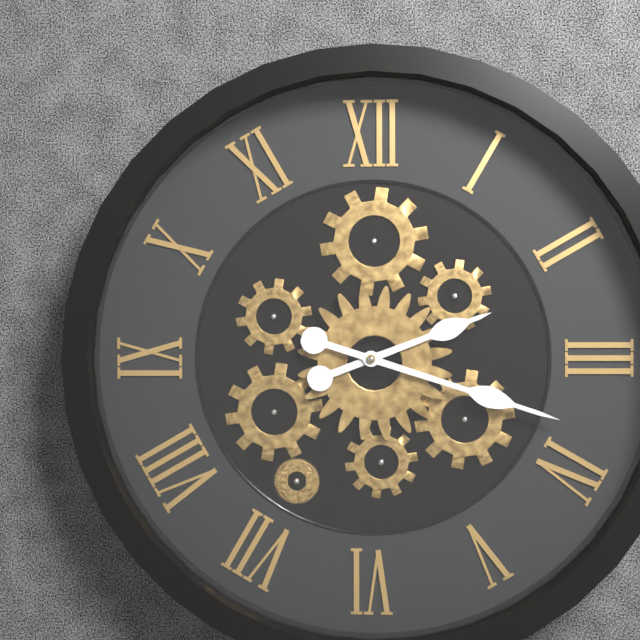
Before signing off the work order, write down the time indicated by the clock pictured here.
2:18
